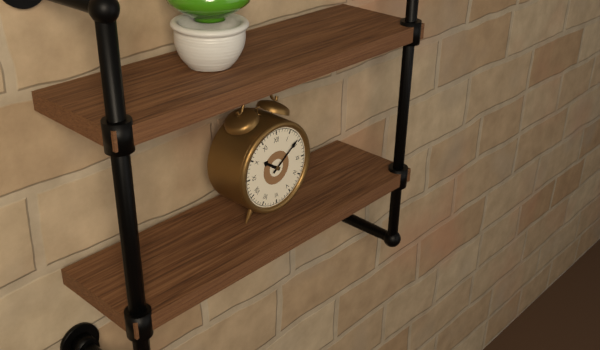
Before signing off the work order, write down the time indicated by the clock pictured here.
10:09
